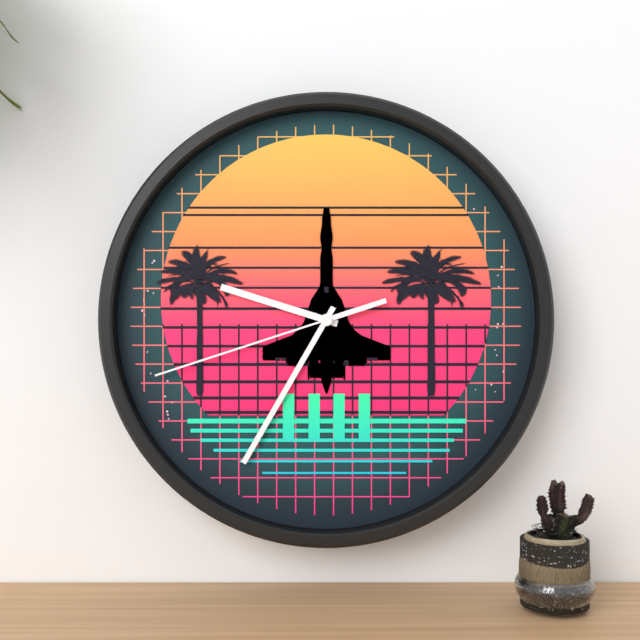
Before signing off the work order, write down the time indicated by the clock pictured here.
9:35:42
